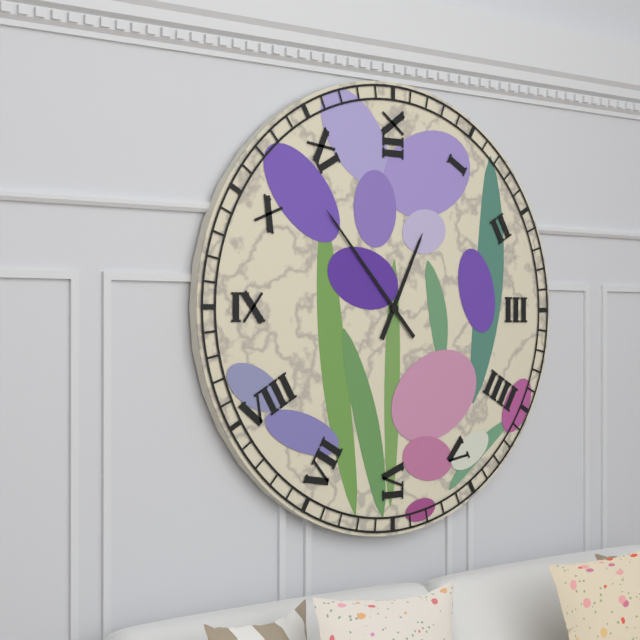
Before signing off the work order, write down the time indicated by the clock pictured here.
12:53
